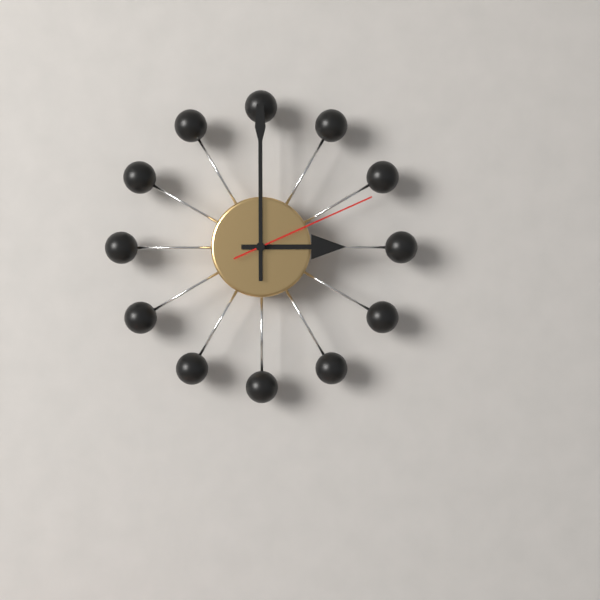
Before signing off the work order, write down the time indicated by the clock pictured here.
3:00:11
